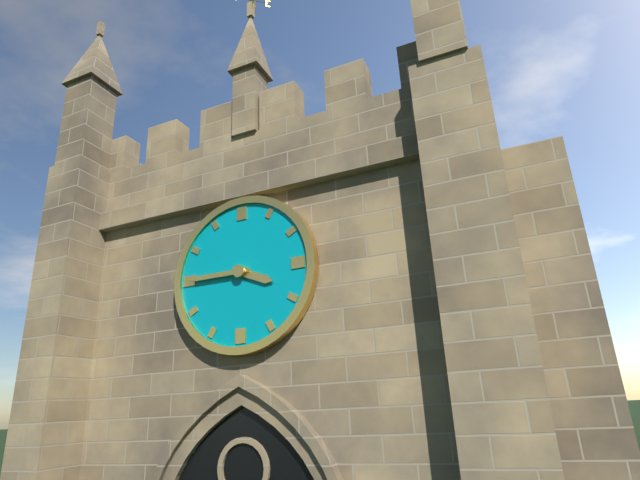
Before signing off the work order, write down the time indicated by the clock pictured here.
3:45
